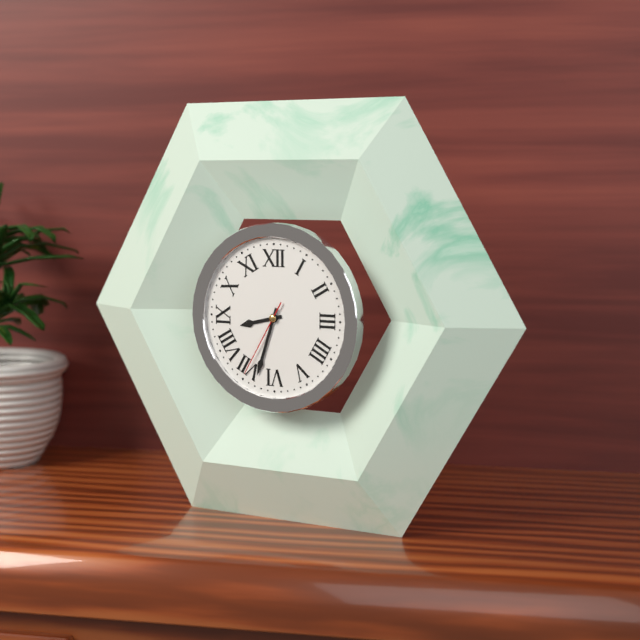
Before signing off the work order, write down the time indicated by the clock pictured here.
8:33:35
